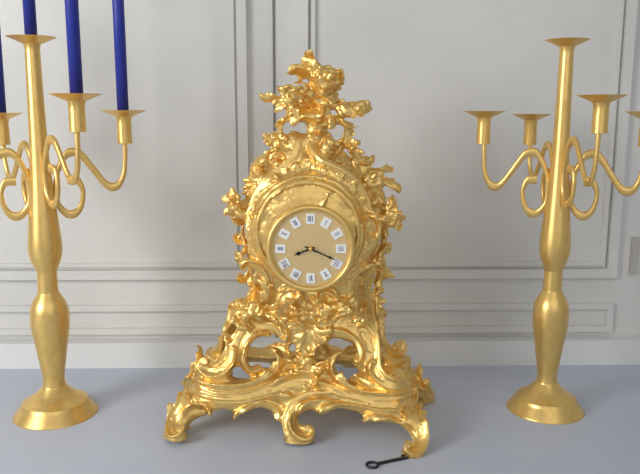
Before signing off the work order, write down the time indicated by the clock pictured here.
8:19
